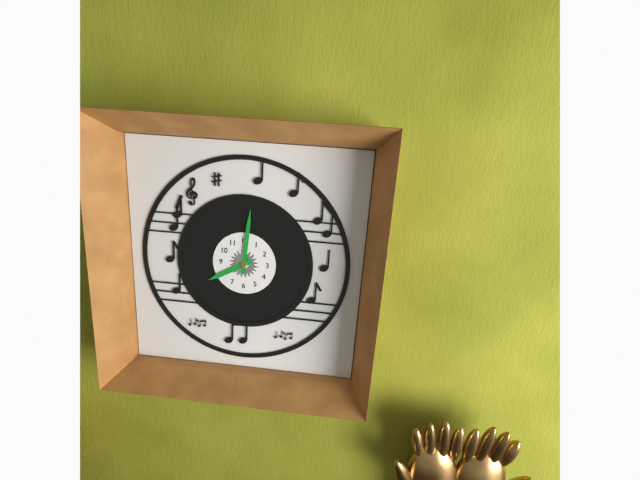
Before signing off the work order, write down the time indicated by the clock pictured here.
8:01
